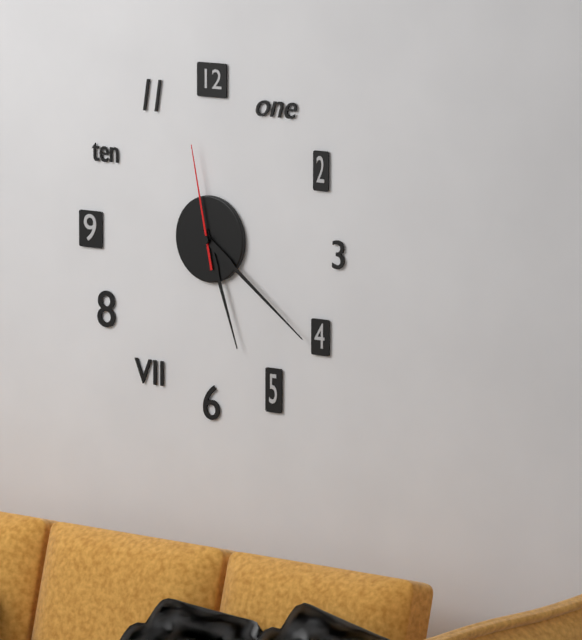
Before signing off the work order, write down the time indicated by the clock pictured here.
5:21:58
